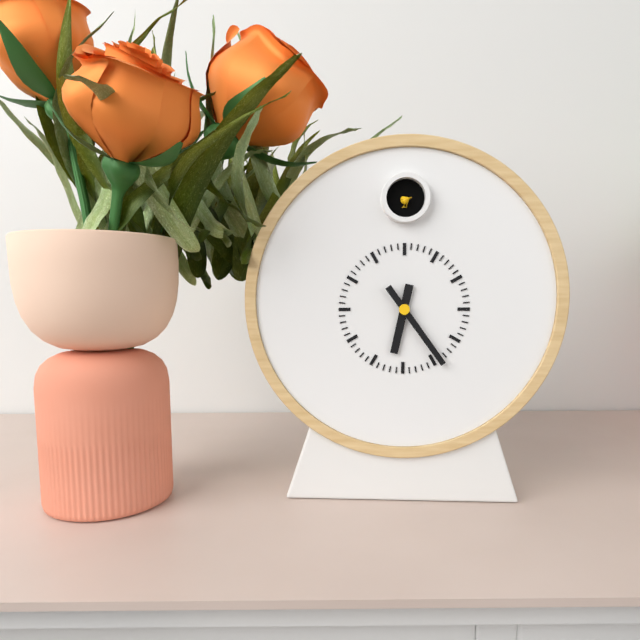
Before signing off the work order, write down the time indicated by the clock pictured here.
6:24
